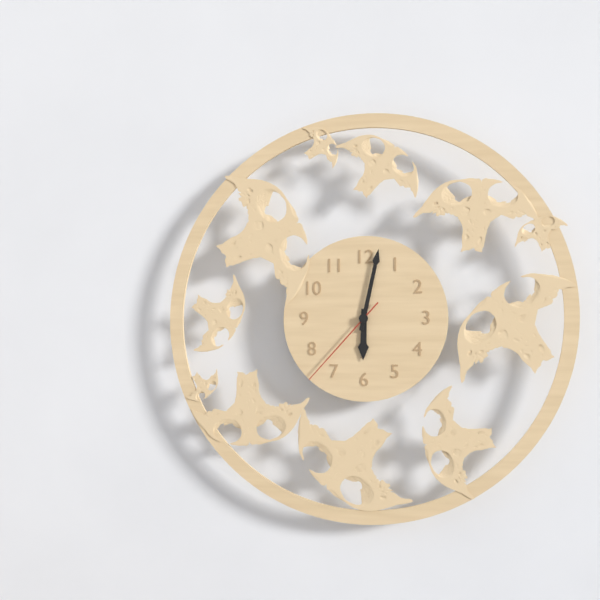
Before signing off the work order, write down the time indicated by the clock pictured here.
6:02:37
